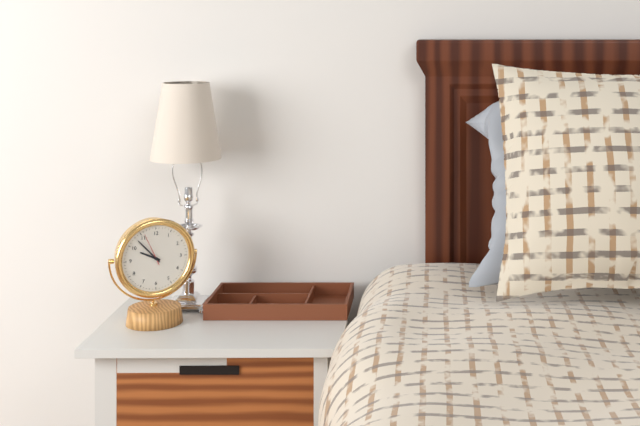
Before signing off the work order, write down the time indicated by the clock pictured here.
9:53
